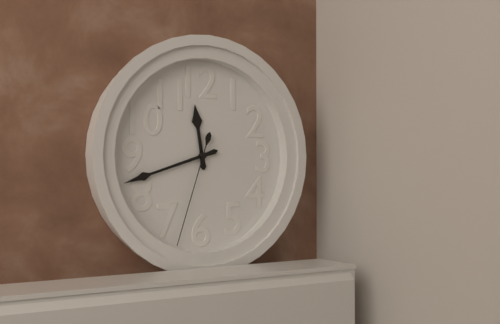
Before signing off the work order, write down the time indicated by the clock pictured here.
11:42:33
